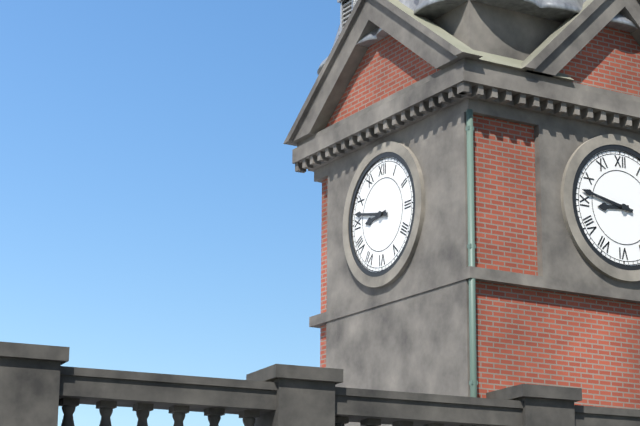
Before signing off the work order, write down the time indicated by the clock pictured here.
8:47
